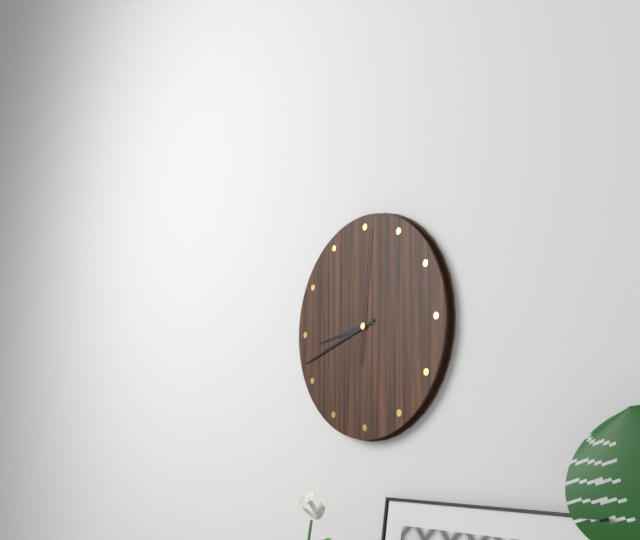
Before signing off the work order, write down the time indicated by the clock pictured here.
8:42:01
